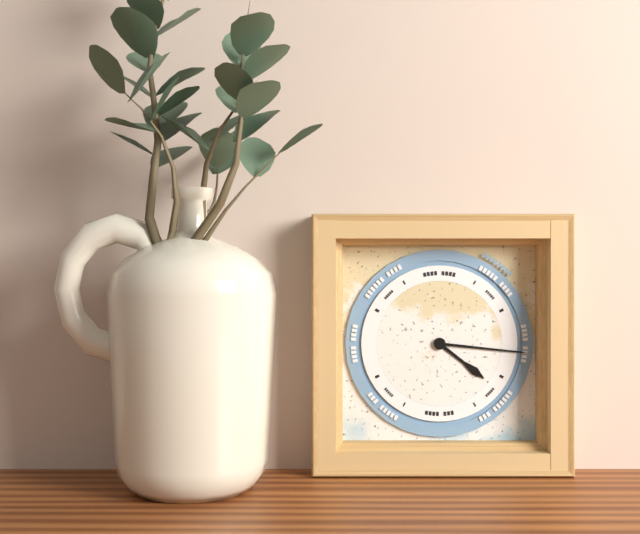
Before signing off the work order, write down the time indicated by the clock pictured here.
4:16
